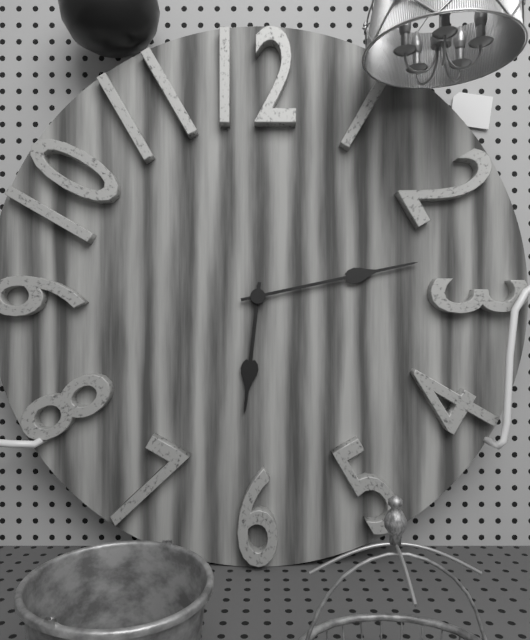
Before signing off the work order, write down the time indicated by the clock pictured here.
6:13
